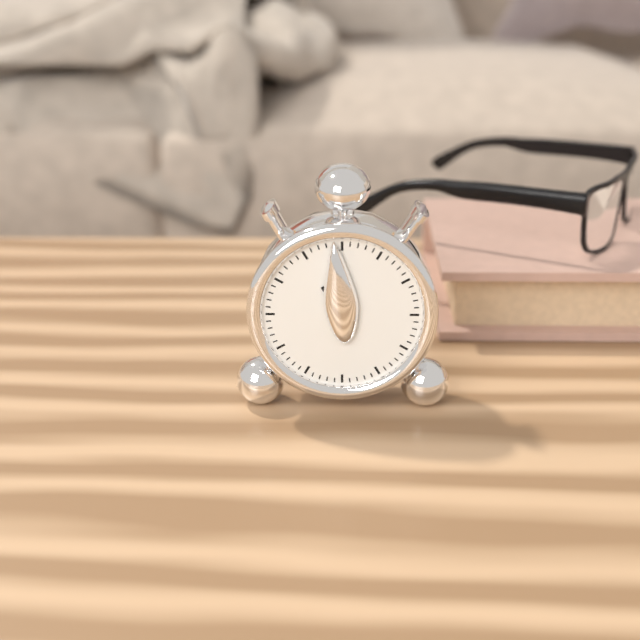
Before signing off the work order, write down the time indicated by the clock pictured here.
10:59
